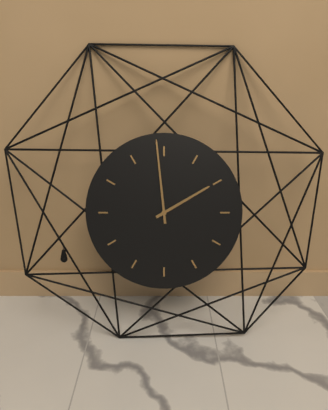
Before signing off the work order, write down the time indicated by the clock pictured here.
1:59
